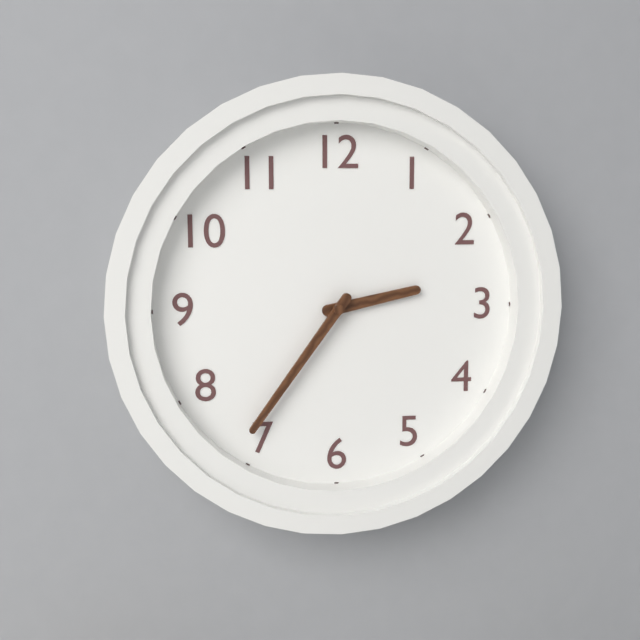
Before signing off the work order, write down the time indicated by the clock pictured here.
2:36
